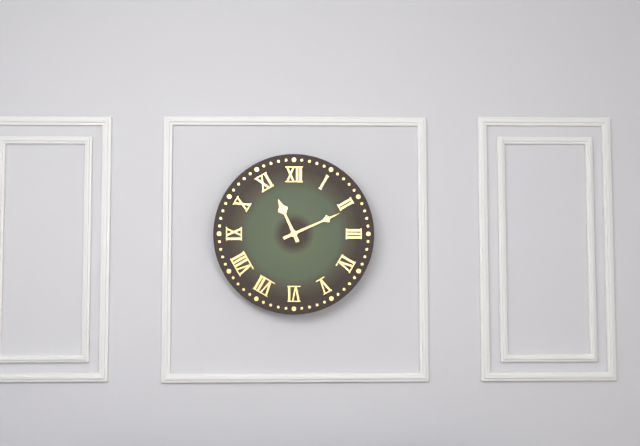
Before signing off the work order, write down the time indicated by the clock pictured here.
11:11
